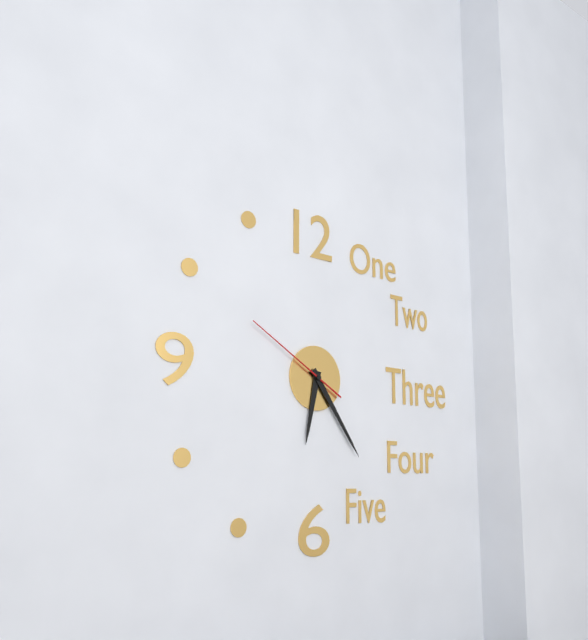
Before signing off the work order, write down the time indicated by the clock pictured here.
6:24:50
